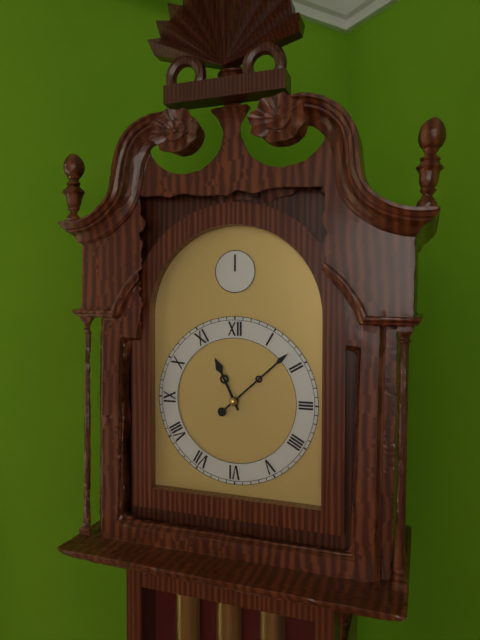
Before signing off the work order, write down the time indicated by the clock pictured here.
11:08
